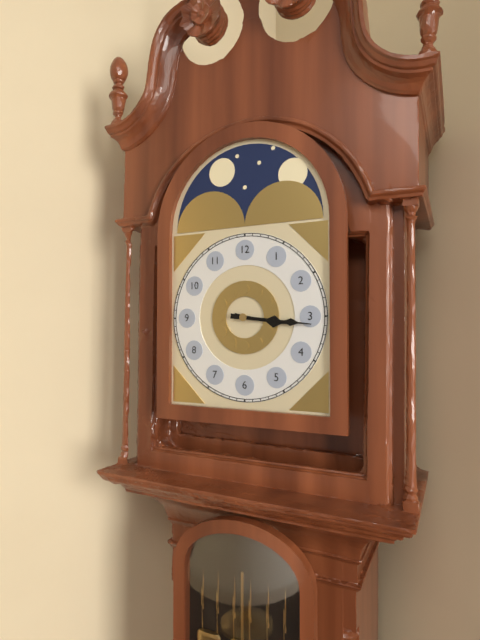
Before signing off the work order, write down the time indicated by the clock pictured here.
3:16
